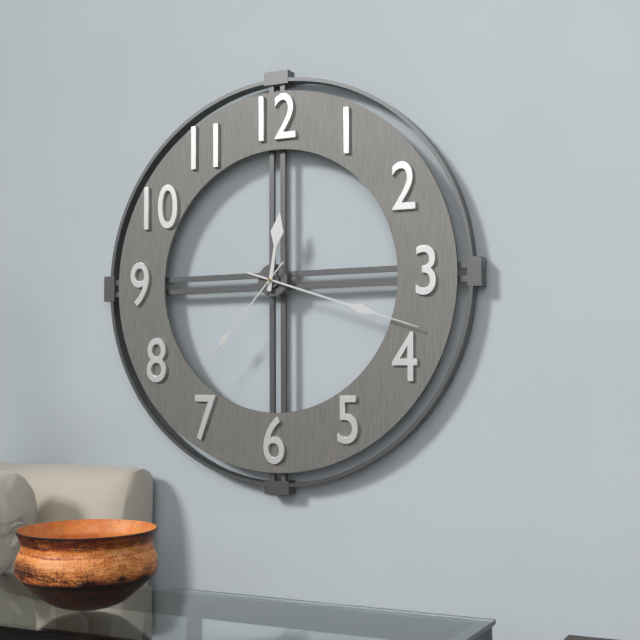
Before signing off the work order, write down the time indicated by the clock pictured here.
12:18:37
